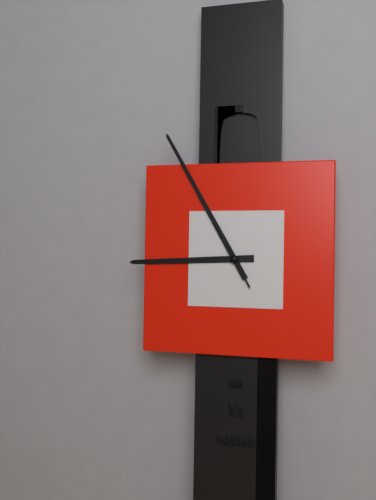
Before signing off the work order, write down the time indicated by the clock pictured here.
8:55:55
